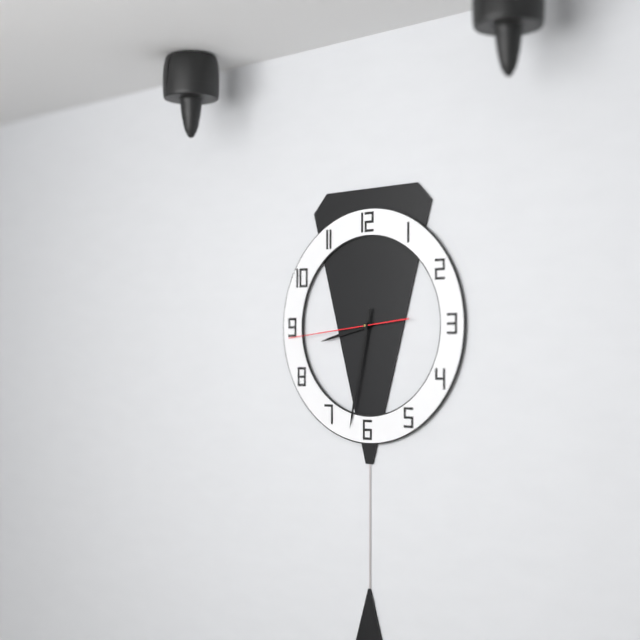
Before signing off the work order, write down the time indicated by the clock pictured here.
8:32:44
